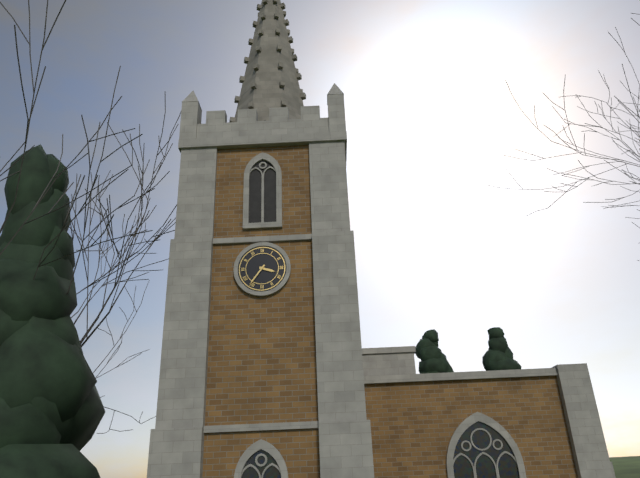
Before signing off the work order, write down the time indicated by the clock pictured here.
3:36
